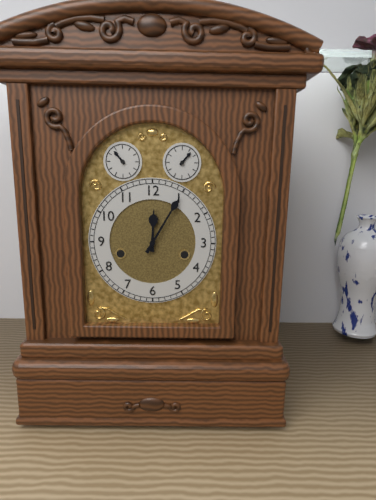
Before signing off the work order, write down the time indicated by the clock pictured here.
12:05
